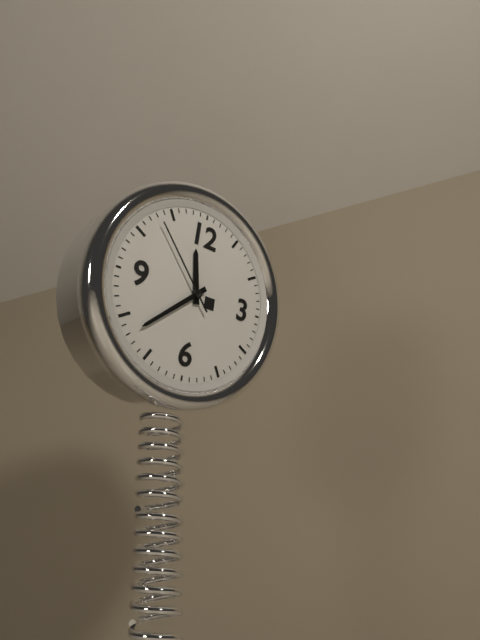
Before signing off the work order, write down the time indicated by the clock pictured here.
11:38:53
